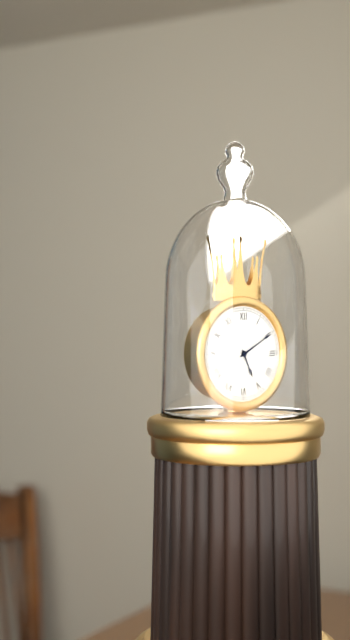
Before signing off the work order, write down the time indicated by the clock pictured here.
5:10
